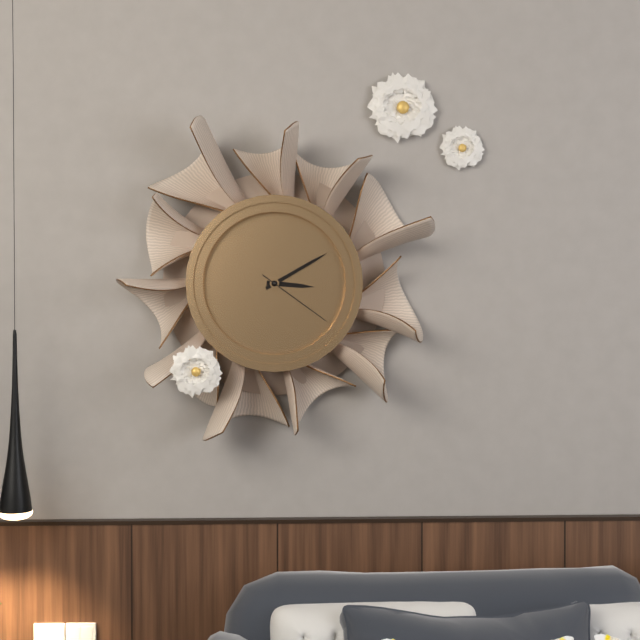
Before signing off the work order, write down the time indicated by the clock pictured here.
3:10:21
